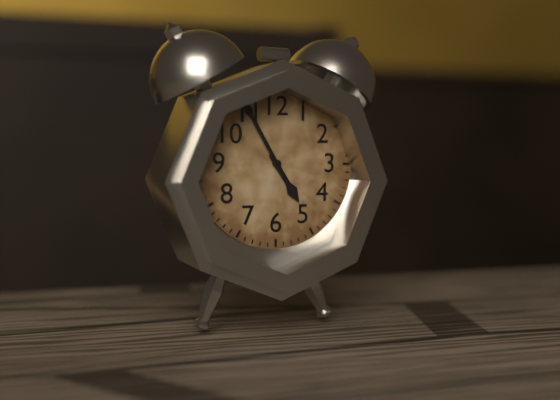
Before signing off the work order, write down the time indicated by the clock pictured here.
4:55
